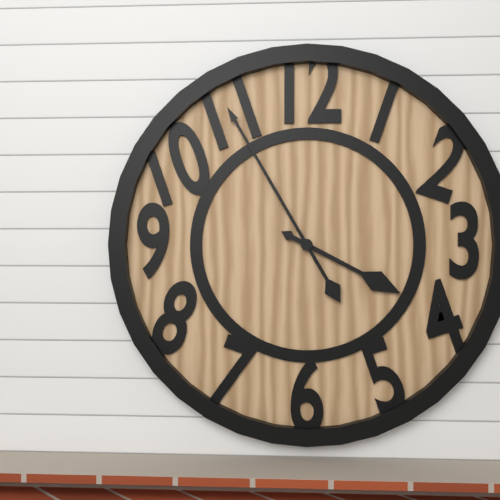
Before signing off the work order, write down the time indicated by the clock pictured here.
3:55
